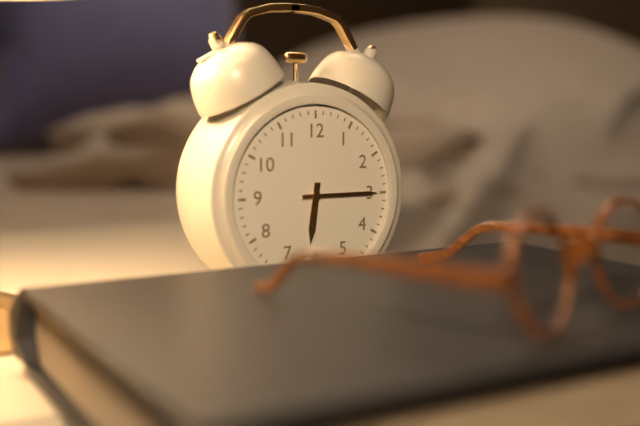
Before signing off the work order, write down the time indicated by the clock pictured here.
6:15
